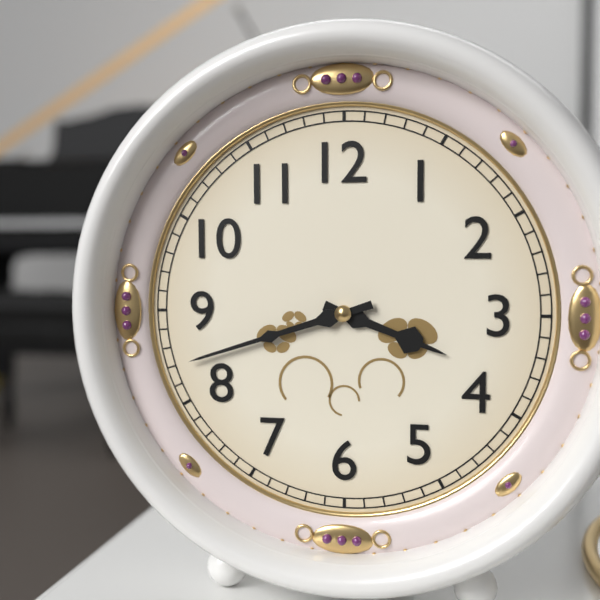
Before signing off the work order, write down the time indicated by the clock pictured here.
3:42
